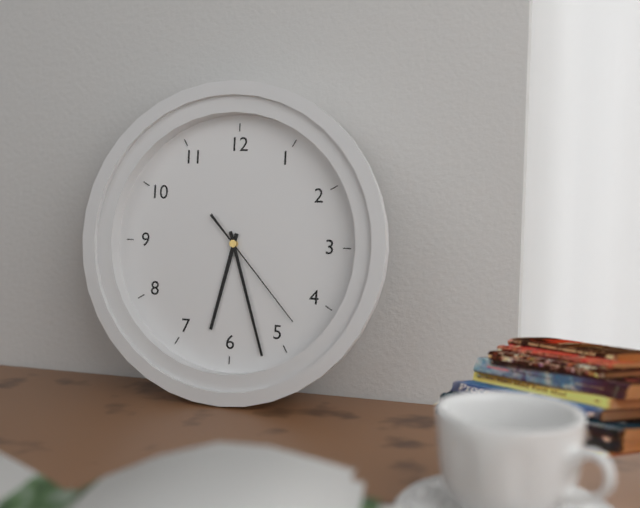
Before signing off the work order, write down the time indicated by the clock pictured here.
6:27:23
